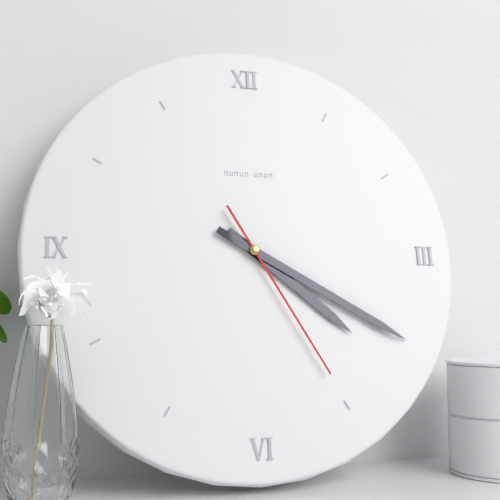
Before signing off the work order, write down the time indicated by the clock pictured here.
4:20:25
